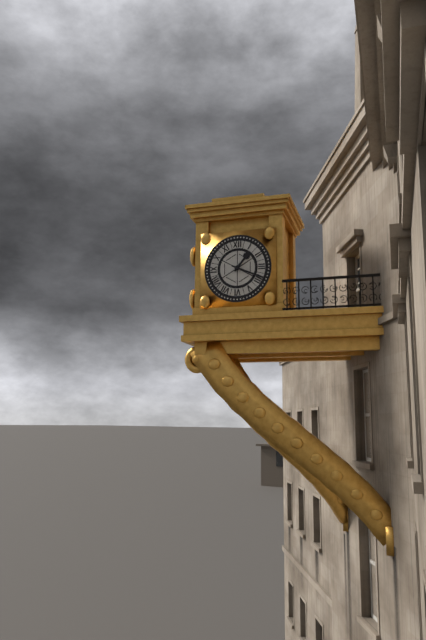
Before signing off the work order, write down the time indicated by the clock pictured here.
1:19
